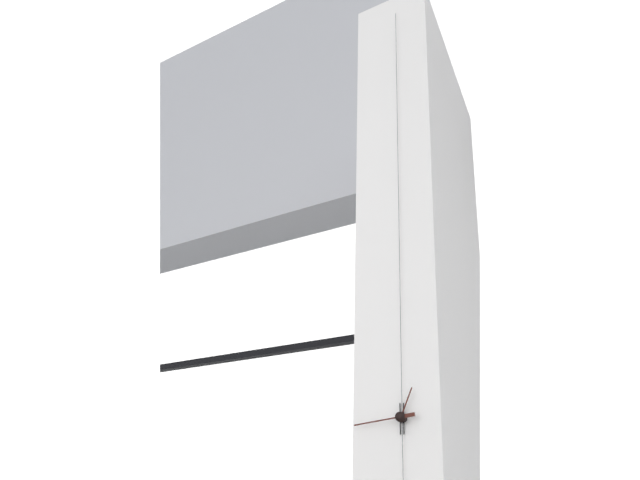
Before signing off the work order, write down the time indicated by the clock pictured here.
12:44
